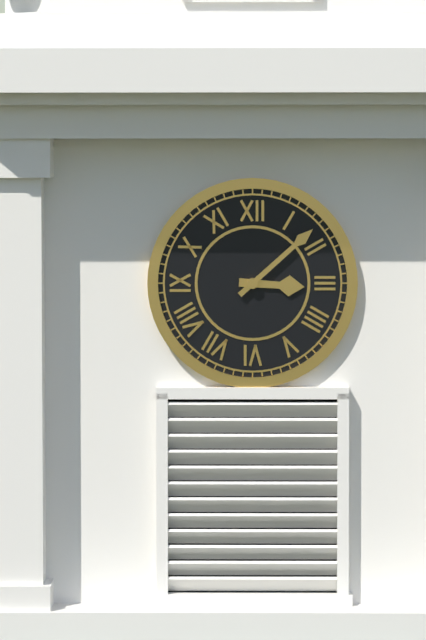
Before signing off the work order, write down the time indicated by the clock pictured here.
3:08
